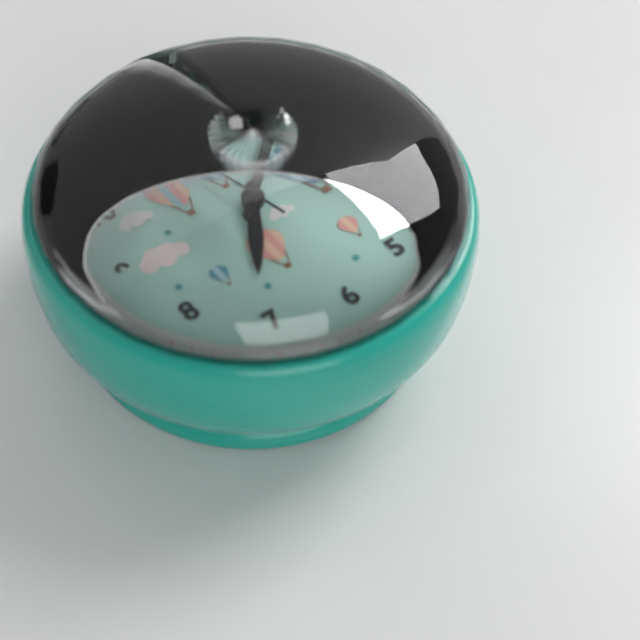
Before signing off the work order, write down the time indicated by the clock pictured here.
7:08:58
